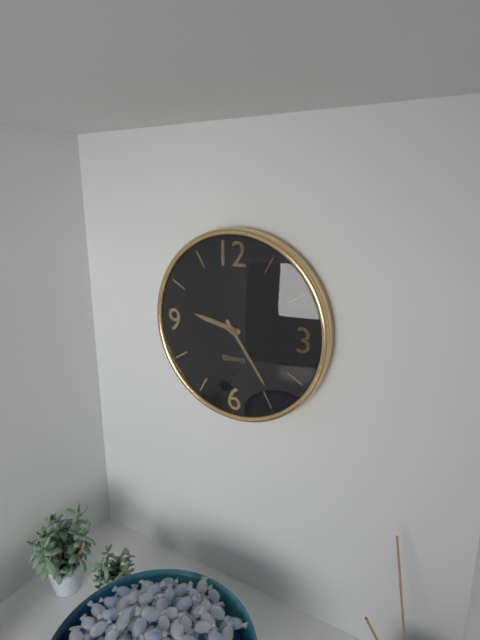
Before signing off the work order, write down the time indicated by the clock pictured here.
9:24
